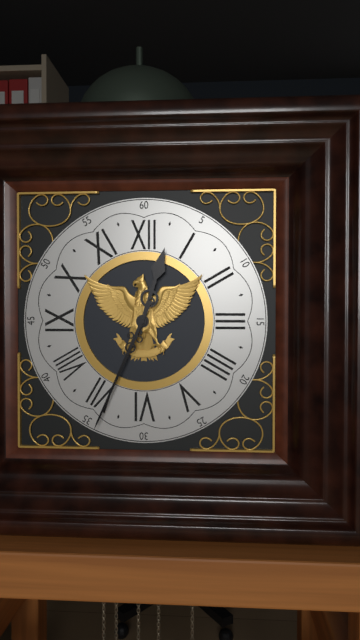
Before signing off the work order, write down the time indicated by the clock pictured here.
12:34
